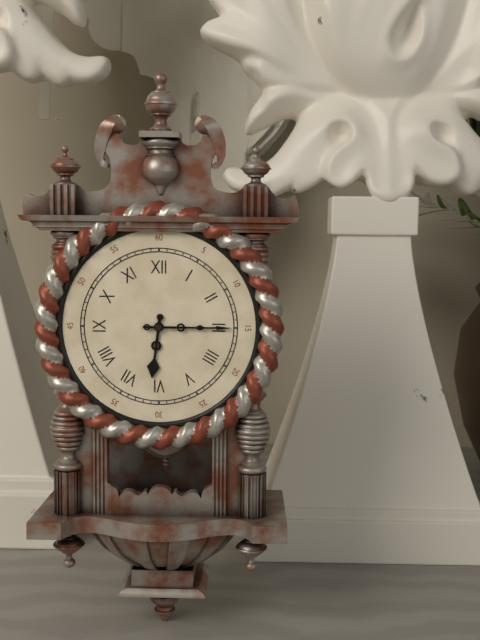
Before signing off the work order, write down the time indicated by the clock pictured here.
6:15
